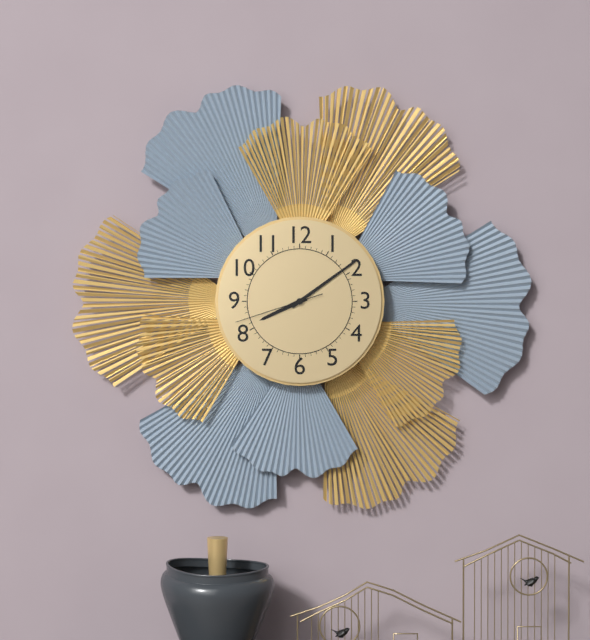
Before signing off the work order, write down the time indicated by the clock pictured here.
8:09:42
